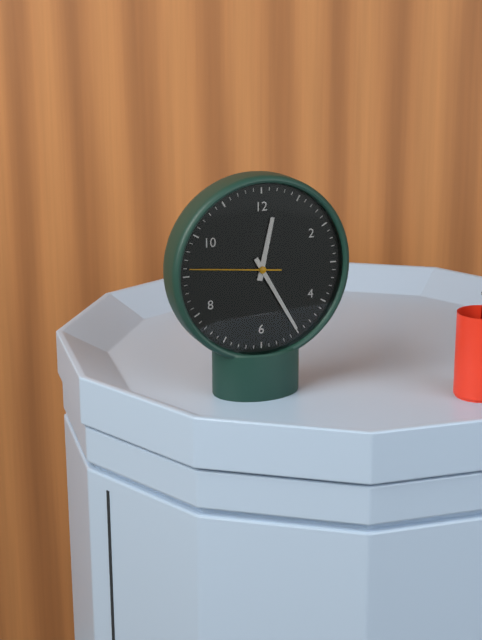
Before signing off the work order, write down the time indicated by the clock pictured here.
12:25:46
